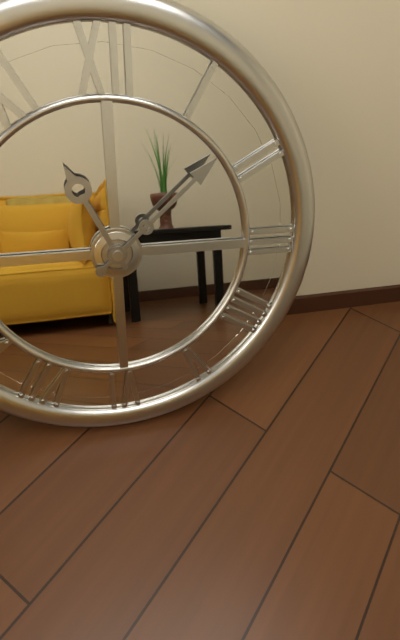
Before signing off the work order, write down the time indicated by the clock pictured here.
11:08
